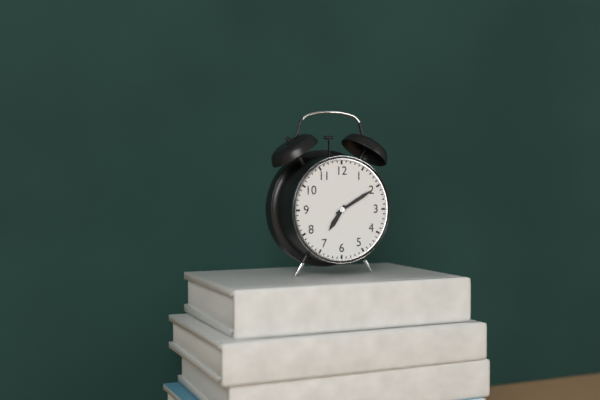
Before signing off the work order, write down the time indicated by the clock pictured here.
7:10
